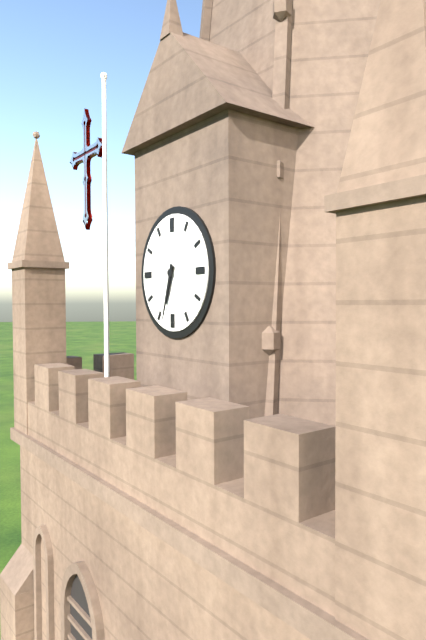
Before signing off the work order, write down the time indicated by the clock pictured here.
6:33
